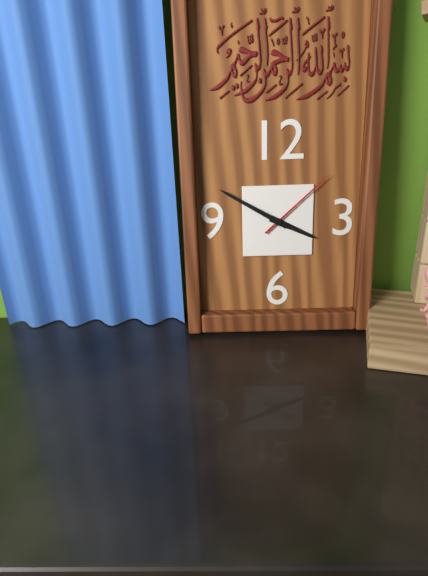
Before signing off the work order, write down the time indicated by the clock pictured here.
3:50:08
